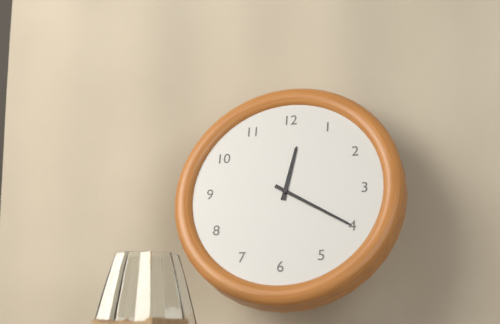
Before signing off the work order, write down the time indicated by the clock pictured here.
12:20
